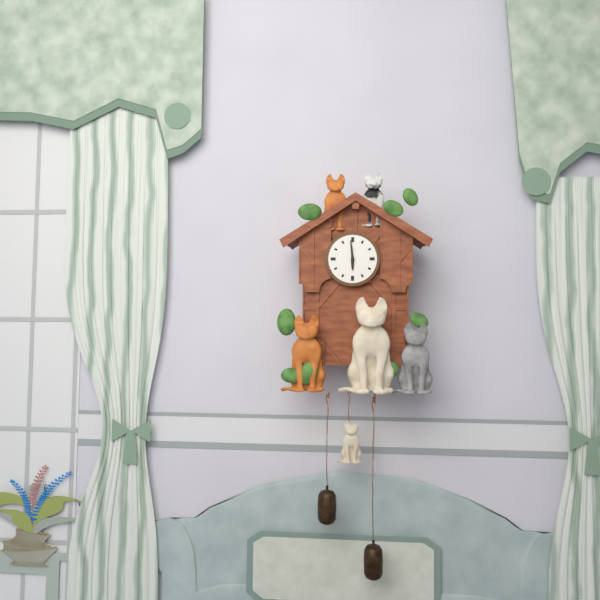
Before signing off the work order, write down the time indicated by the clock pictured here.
5:59
